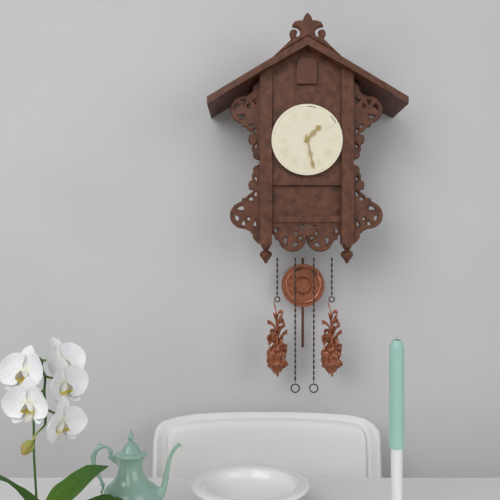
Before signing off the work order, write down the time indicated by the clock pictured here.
1:28
